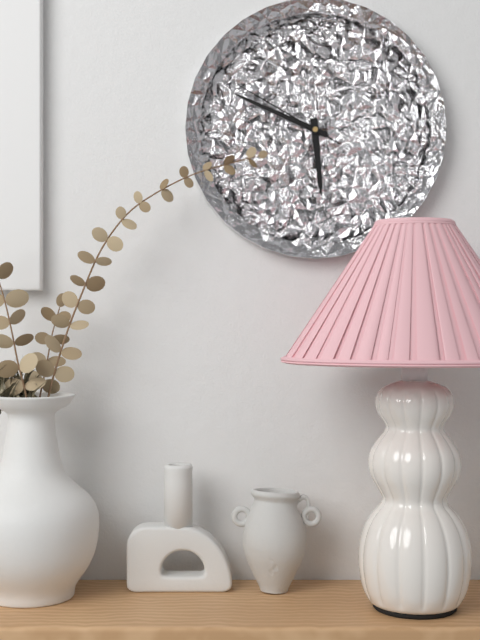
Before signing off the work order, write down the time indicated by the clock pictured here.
5:49:50
